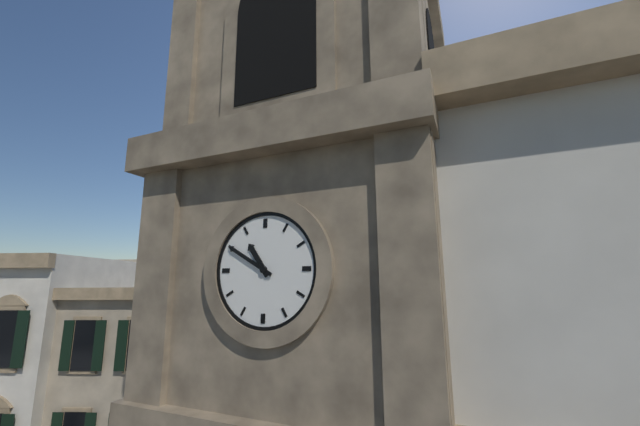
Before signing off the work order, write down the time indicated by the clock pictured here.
10:50
